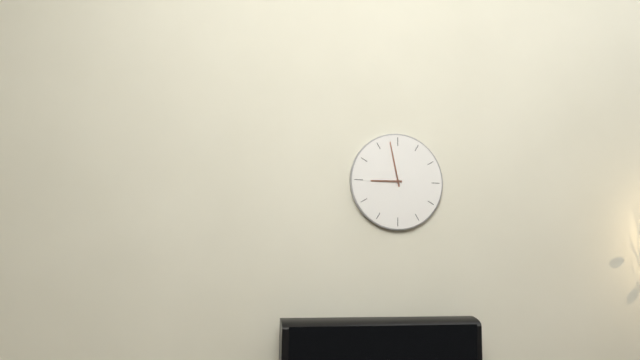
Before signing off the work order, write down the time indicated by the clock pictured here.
8:58
